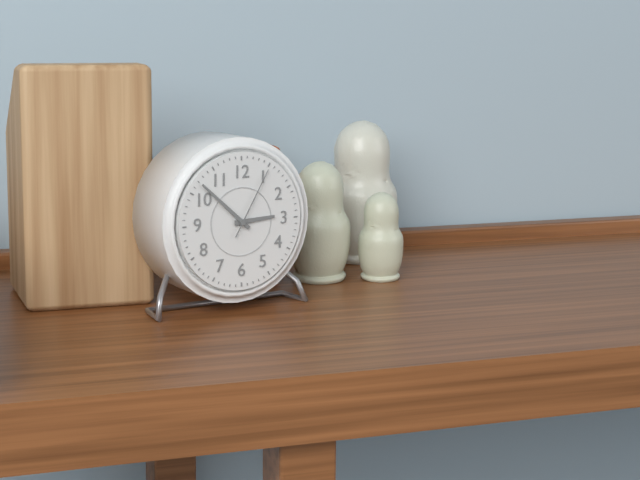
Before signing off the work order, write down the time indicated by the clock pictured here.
2:52:05
